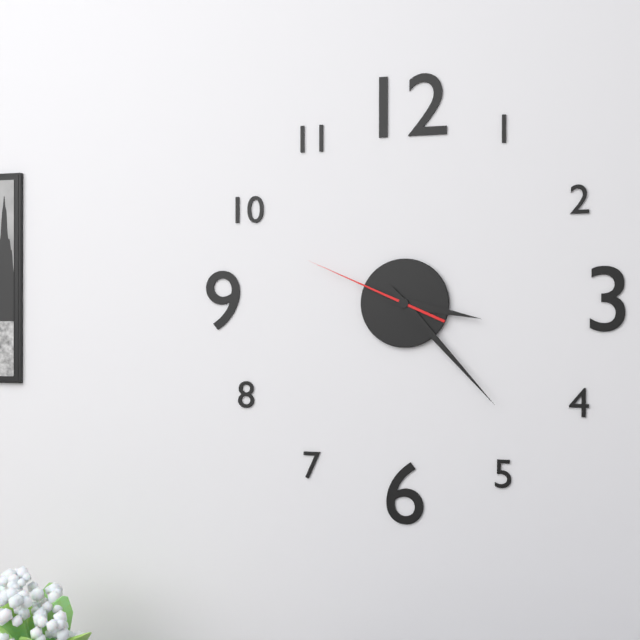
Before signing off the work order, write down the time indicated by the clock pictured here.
3:23:49
